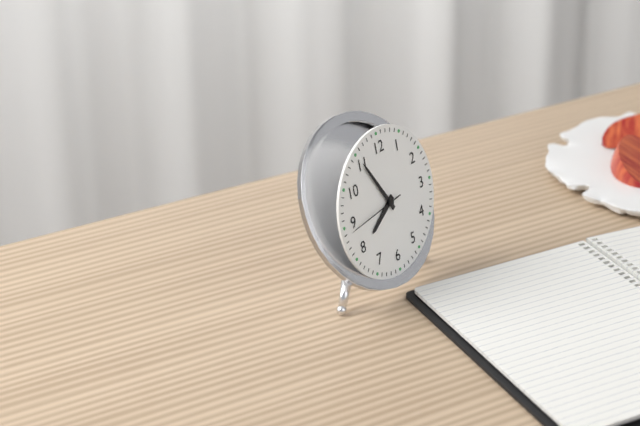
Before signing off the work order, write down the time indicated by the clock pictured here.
7:55:44
